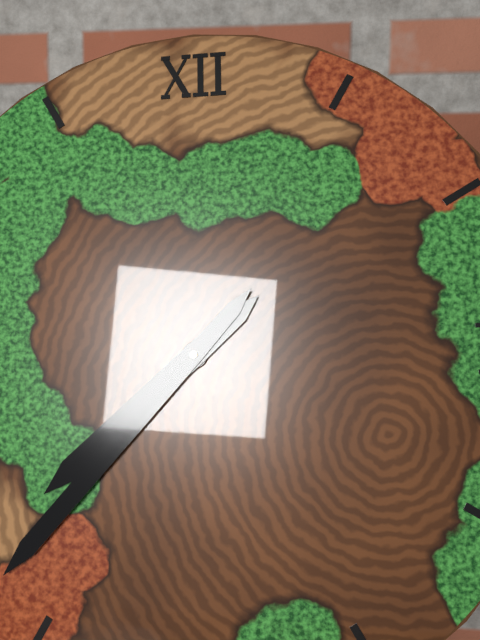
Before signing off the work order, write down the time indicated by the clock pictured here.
7:37
